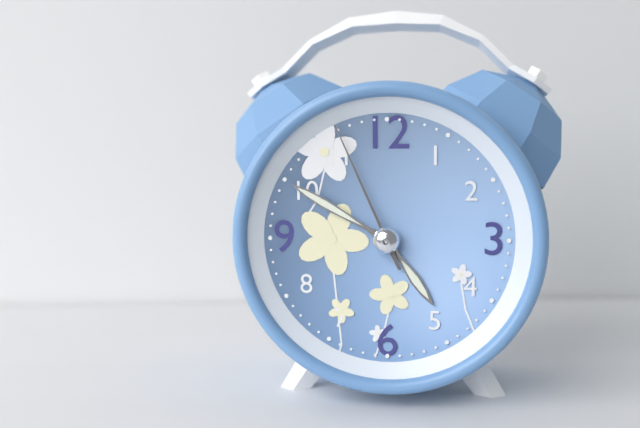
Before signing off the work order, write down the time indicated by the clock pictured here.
4:50:56
